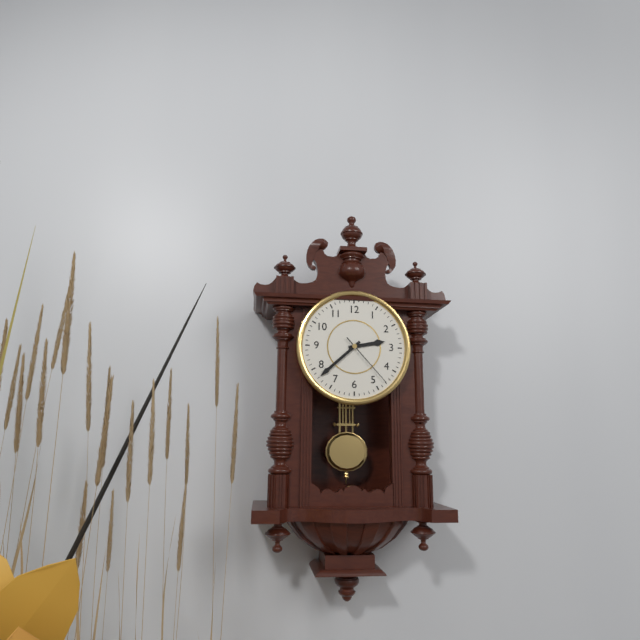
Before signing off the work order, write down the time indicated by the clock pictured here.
2:38:23
